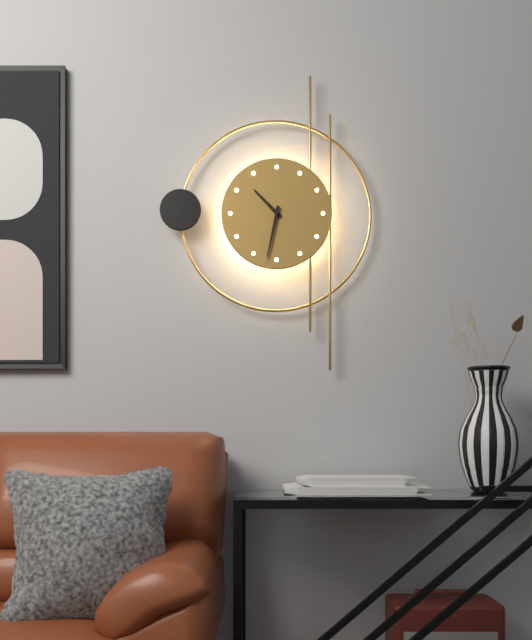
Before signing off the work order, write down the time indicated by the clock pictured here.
10:32
